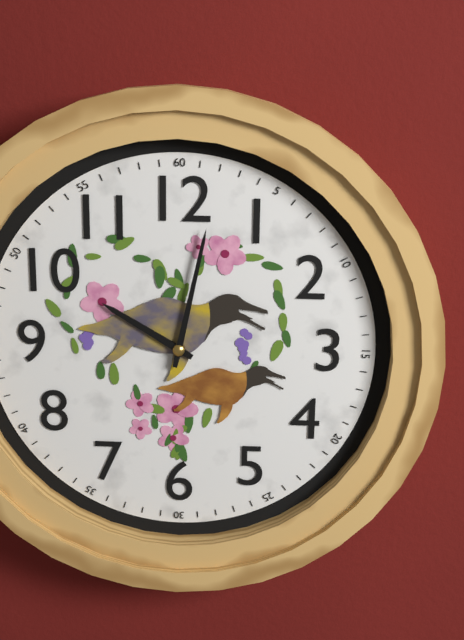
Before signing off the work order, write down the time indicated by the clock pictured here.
10:02
